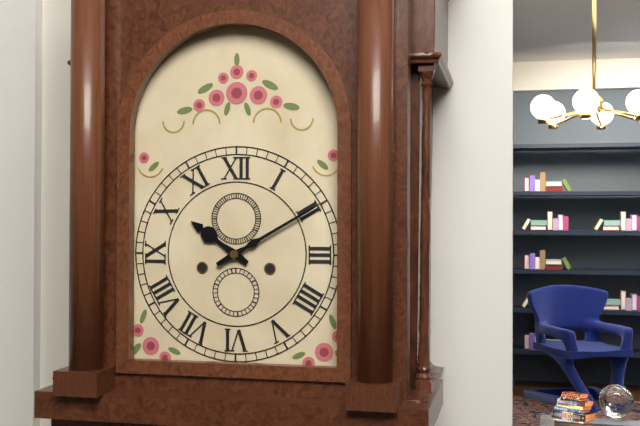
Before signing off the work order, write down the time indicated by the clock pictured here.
10:10
